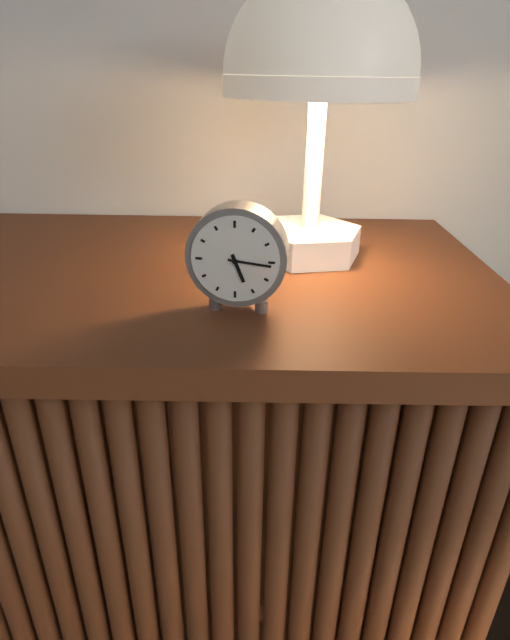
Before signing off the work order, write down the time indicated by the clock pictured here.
5:16
